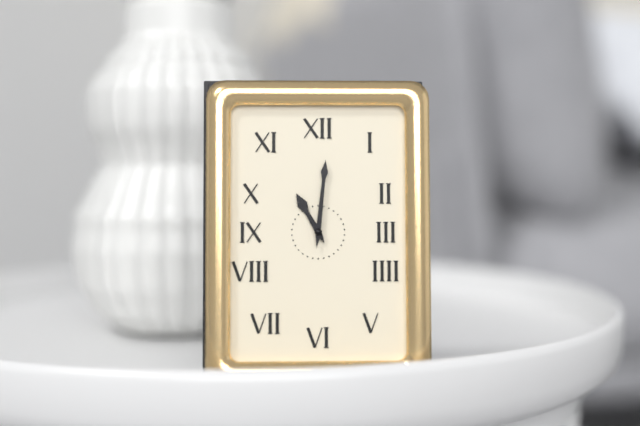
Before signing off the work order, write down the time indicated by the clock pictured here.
11:01
